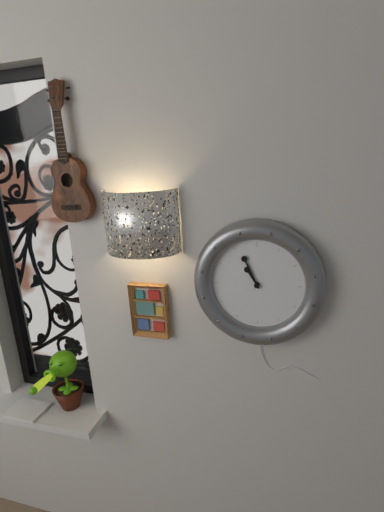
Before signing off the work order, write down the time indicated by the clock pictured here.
10:56
